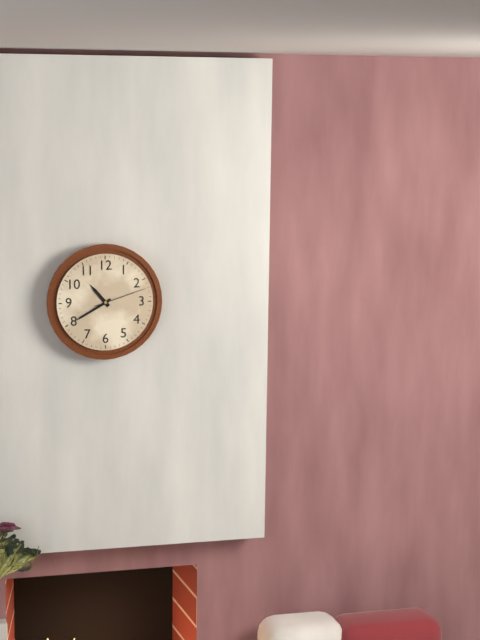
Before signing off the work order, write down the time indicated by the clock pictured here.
10:40:12
